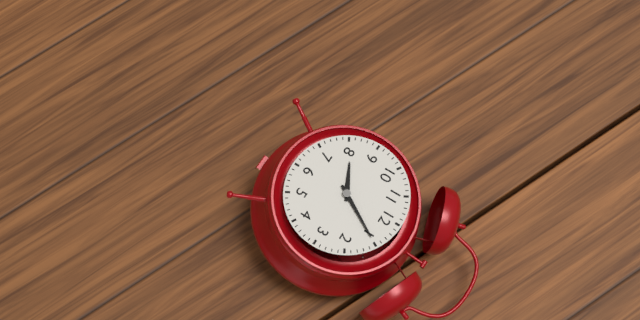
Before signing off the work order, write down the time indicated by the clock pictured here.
8:05
